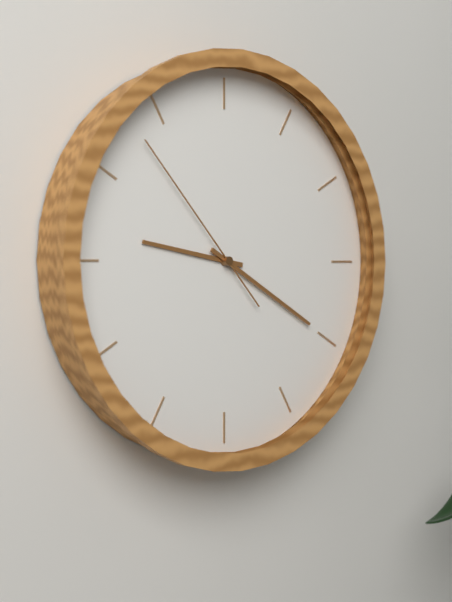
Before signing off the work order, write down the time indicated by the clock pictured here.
9:20:53
